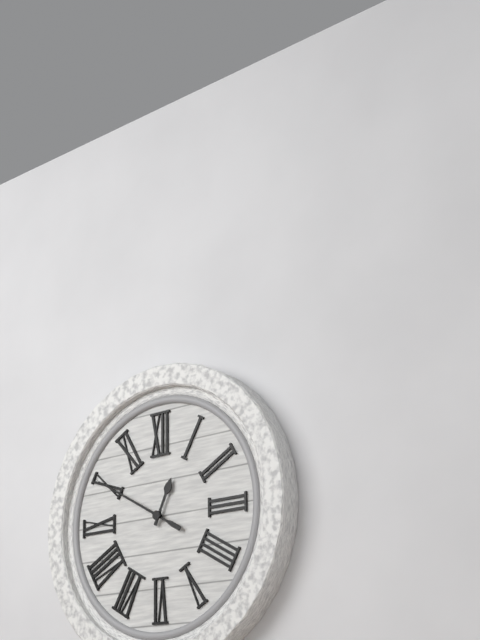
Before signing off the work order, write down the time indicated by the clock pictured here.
12:50
